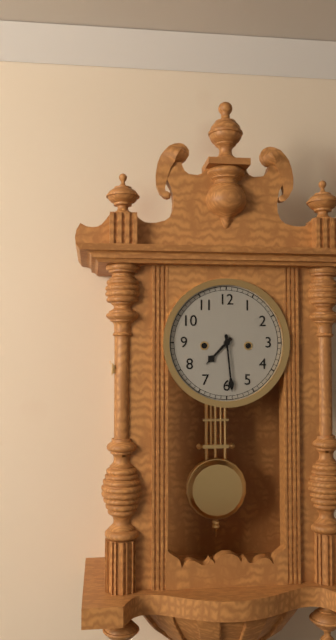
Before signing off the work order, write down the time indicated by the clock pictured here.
7:29
